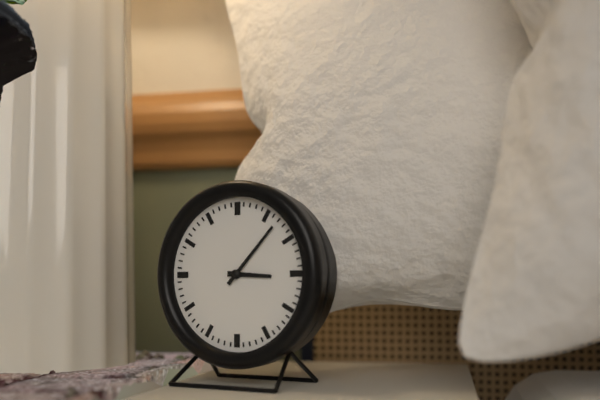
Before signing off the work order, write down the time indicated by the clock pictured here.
3:07
